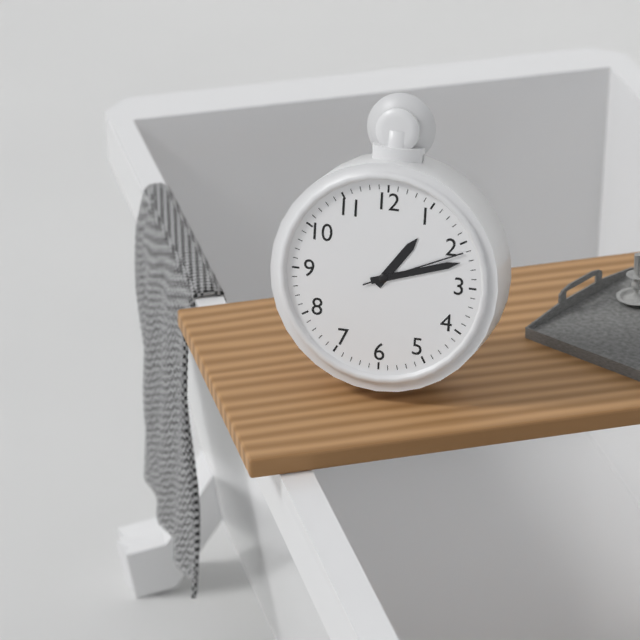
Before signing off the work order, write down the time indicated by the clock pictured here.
1:12:11
